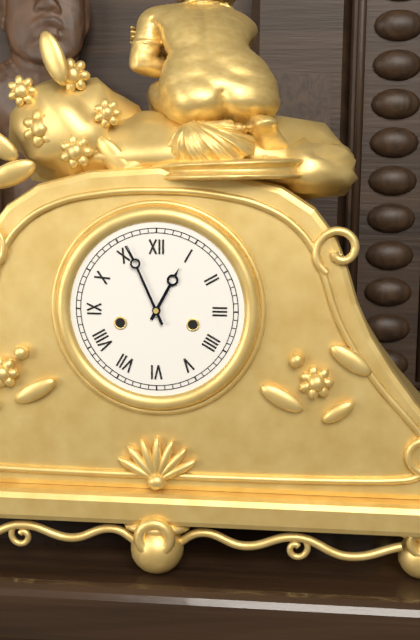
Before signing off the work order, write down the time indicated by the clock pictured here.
12:56
